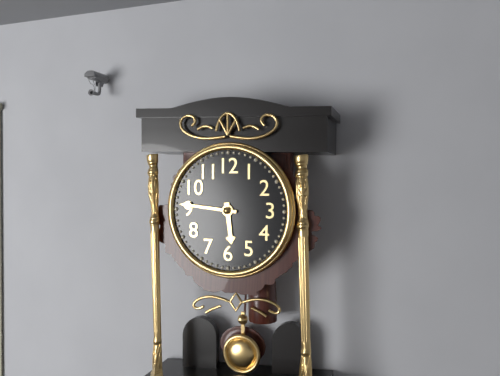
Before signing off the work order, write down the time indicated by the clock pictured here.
5:46
